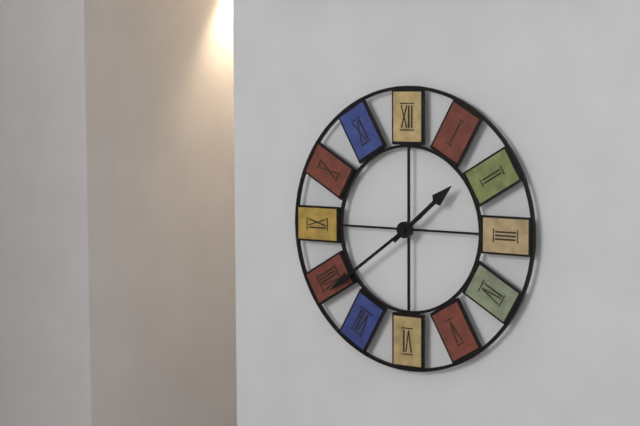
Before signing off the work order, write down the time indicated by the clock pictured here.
1:39
